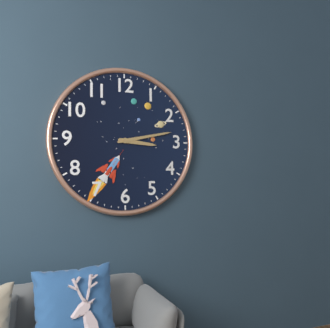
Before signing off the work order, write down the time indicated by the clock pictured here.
3:13
